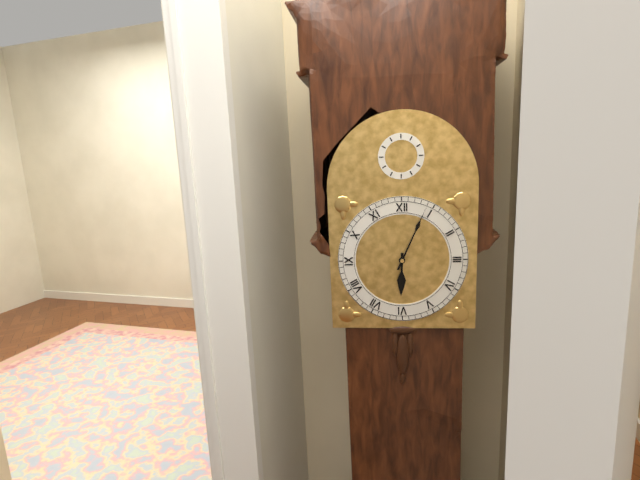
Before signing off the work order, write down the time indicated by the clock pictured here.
6:04
